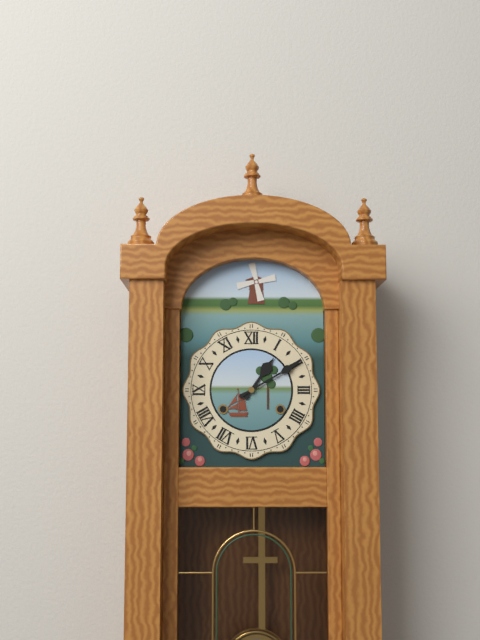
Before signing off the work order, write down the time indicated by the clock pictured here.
1:10
